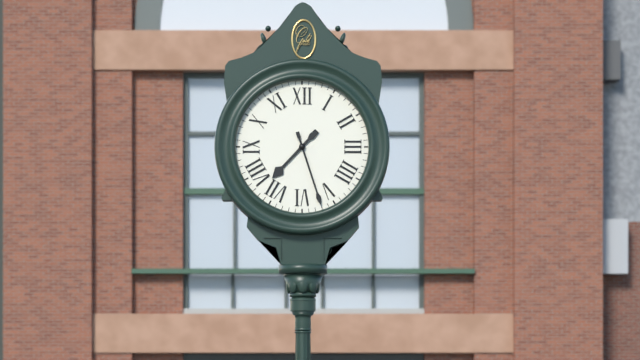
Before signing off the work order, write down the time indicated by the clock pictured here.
7:27
